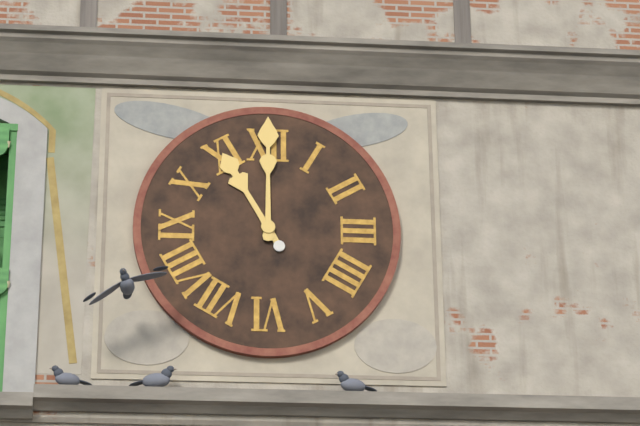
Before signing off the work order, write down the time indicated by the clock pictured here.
11:00
